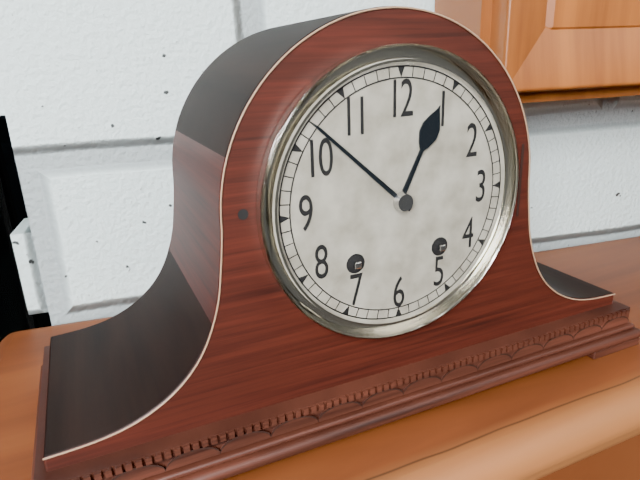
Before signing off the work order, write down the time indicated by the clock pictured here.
12:52
